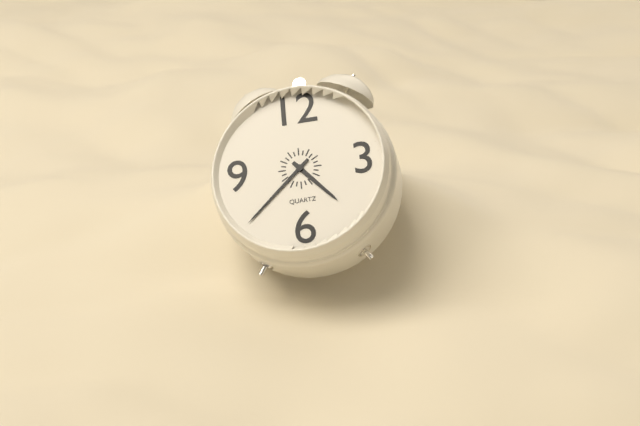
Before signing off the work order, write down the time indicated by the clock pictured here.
4:38
